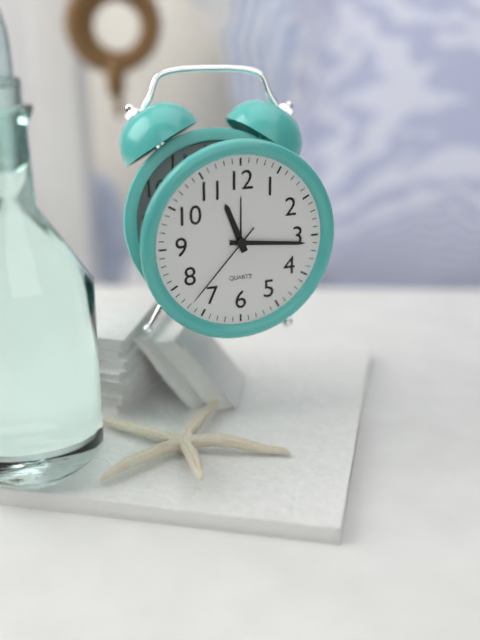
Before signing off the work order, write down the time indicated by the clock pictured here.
11:16:37
